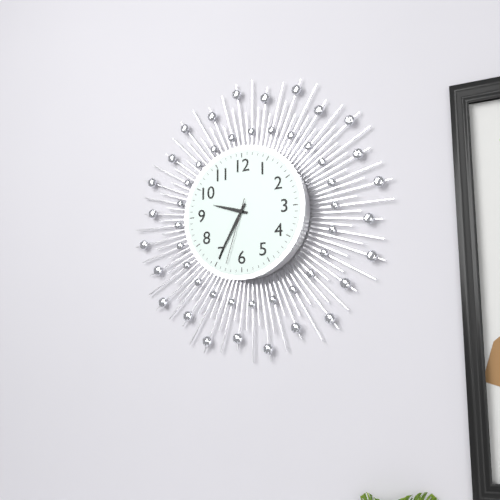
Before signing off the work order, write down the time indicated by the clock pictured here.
9:35:33
